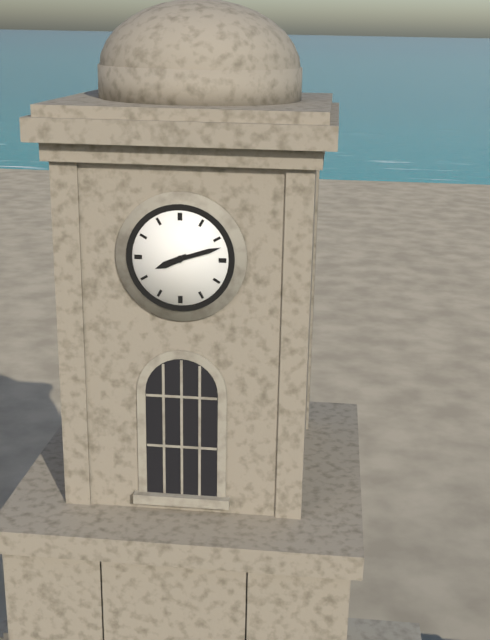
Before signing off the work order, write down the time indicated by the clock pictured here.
8:12
